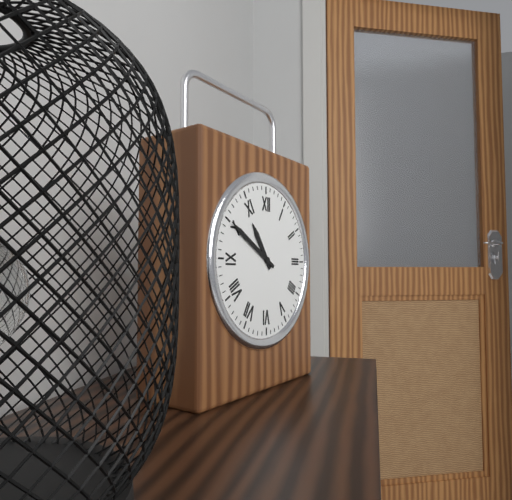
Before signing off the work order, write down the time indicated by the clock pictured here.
10:50
